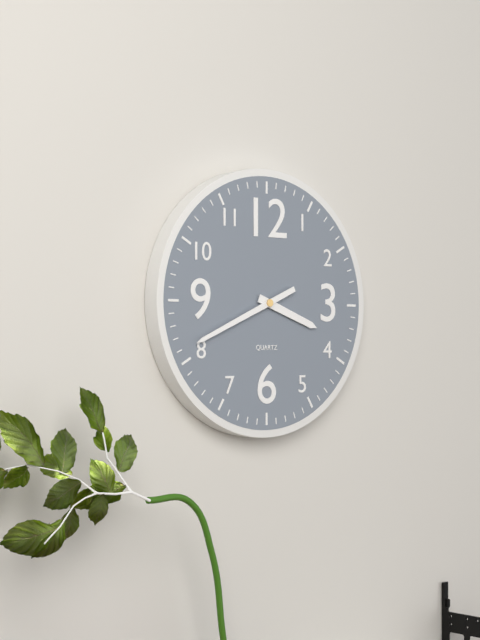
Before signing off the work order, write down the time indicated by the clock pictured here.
3:41
